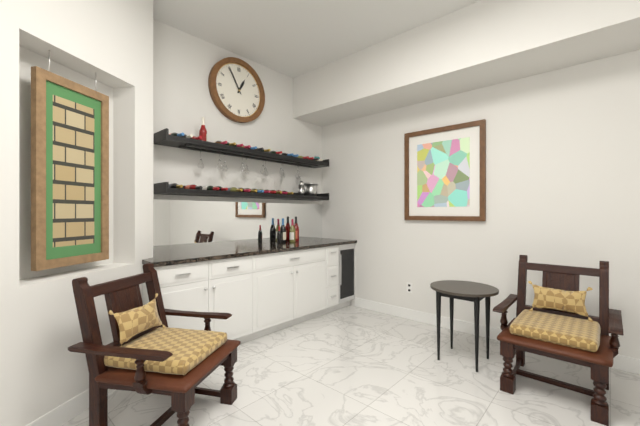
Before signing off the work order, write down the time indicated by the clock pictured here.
12:55
